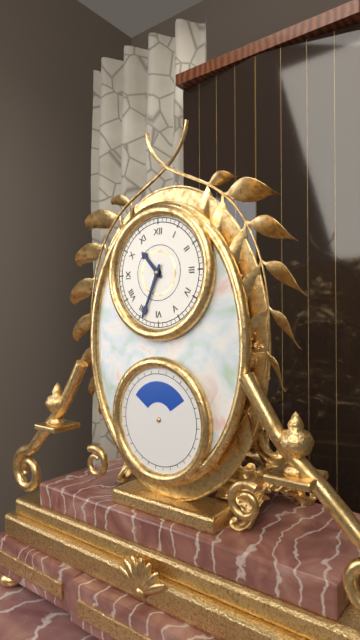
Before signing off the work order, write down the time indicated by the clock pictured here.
10:34
